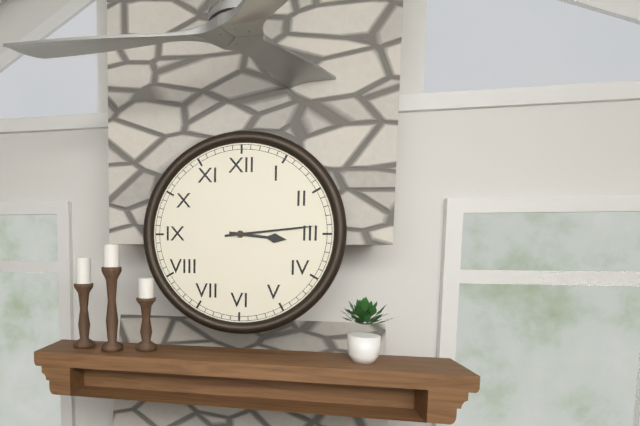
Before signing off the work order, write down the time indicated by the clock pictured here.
3:14
